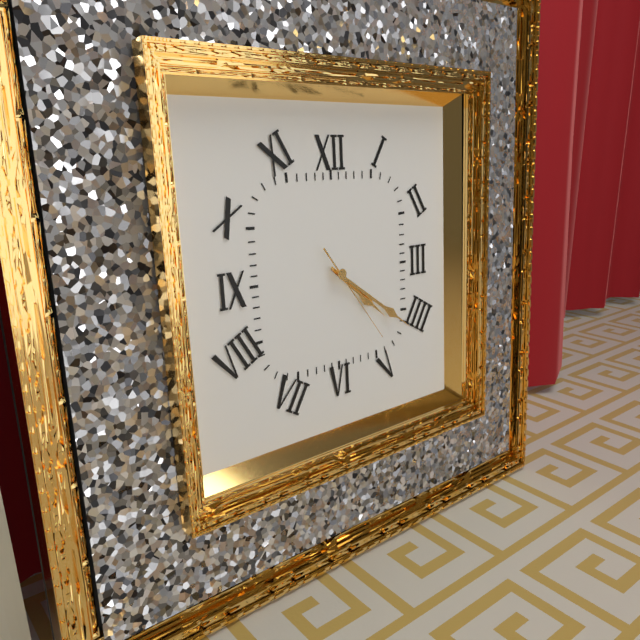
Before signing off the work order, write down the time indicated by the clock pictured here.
4:21:24
